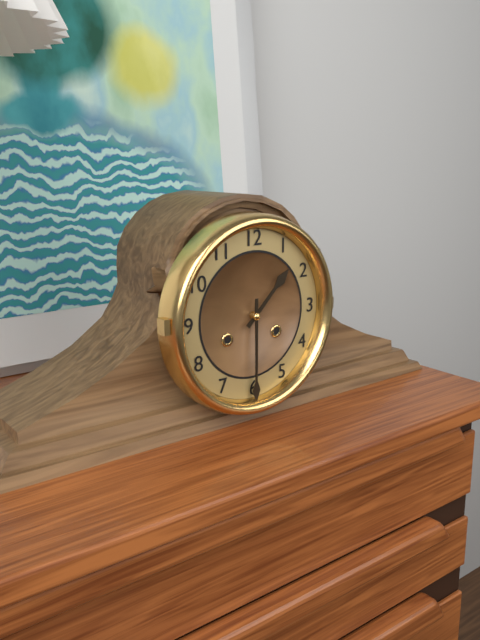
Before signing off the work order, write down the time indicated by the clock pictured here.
1:30
